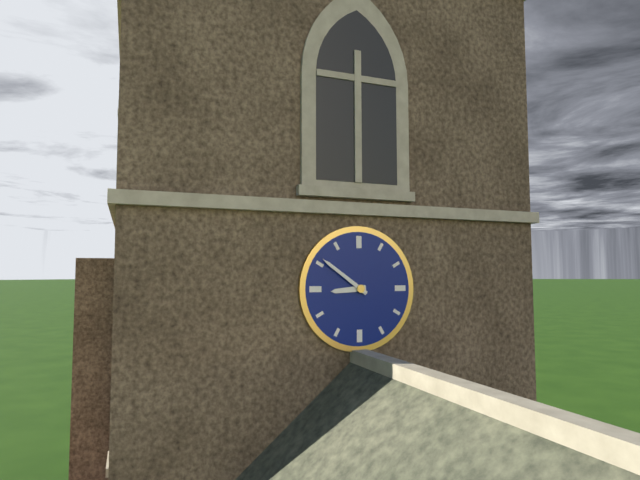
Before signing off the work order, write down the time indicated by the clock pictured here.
8:51
